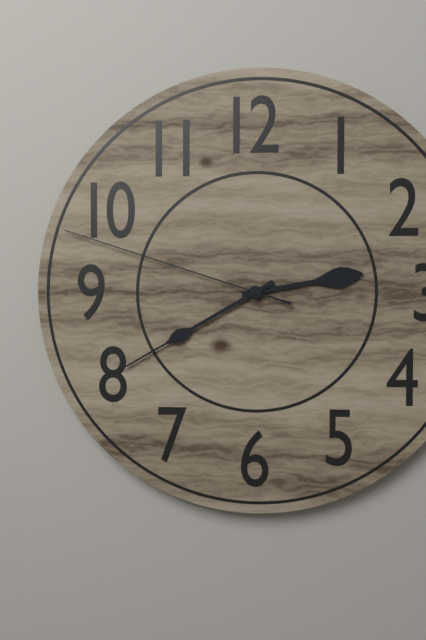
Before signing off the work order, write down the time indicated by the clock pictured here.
2:40:48
